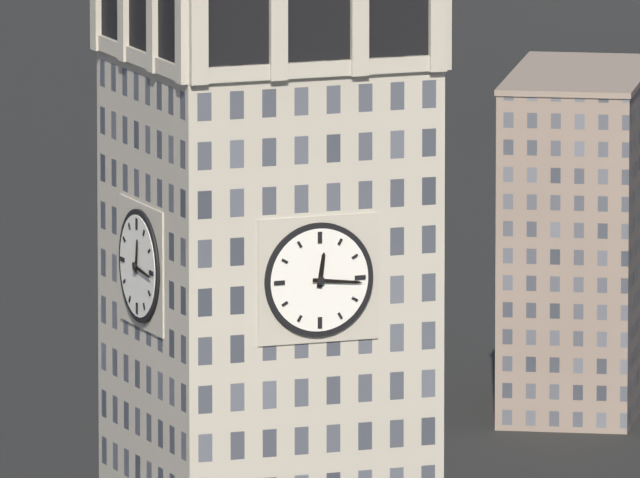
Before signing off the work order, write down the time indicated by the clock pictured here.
12:16
